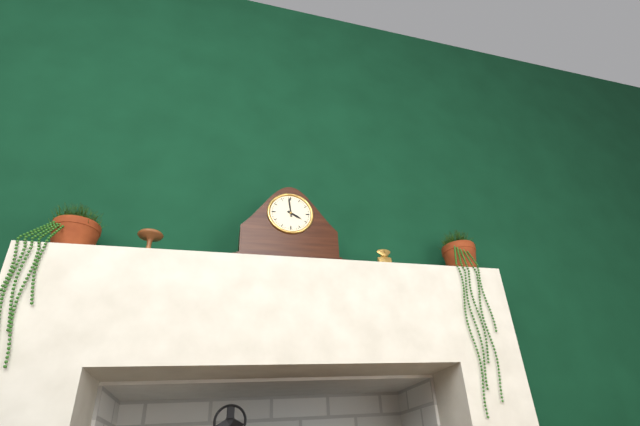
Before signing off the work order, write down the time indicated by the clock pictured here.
3:59
